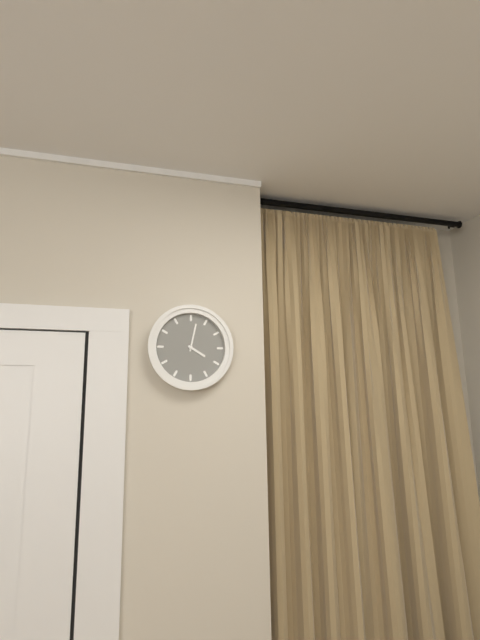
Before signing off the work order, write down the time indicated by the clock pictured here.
4:02
